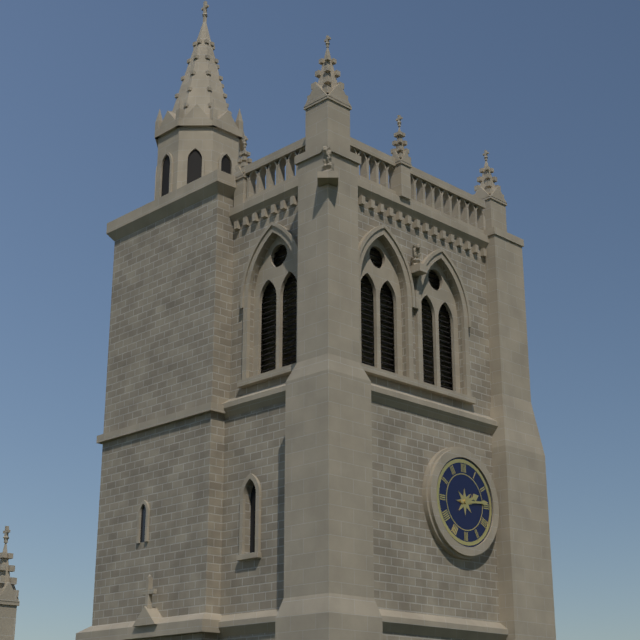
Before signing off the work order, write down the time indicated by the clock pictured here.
2:14
